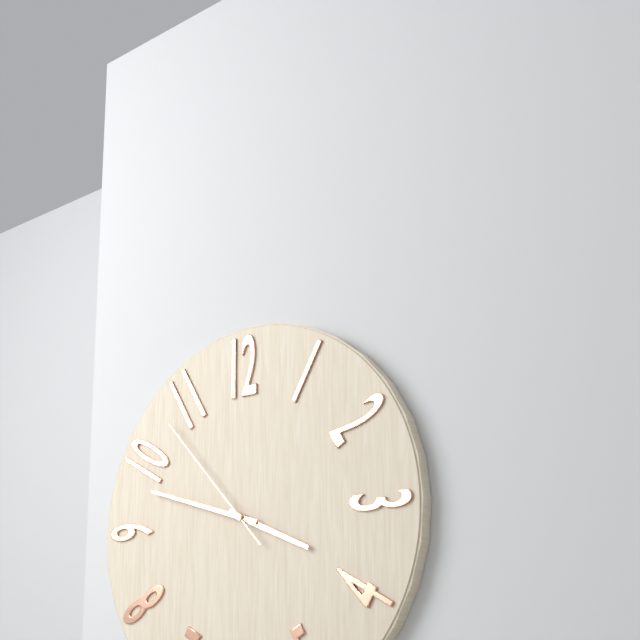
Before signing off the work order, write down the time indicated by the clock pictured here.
3:48:53
